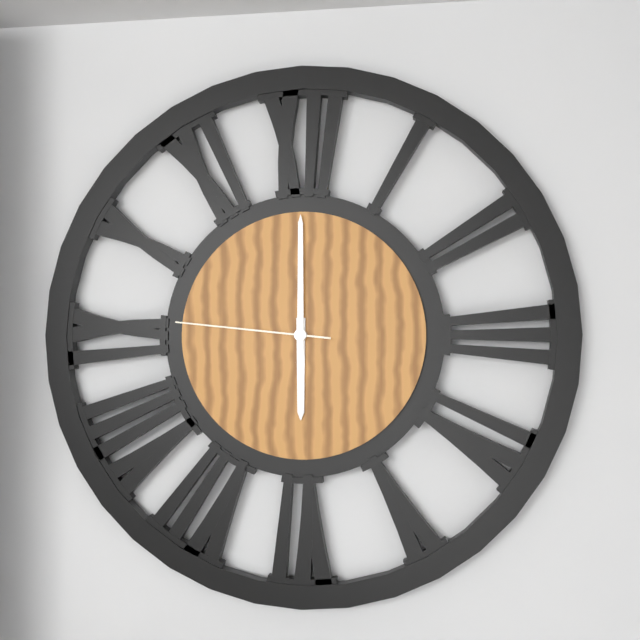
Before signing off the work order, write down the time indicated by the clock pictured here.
6:00:46
